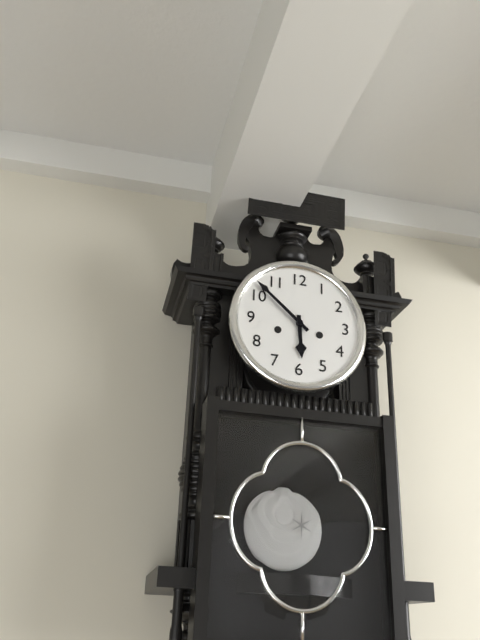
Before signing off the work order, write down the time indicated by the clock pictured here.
5:52
